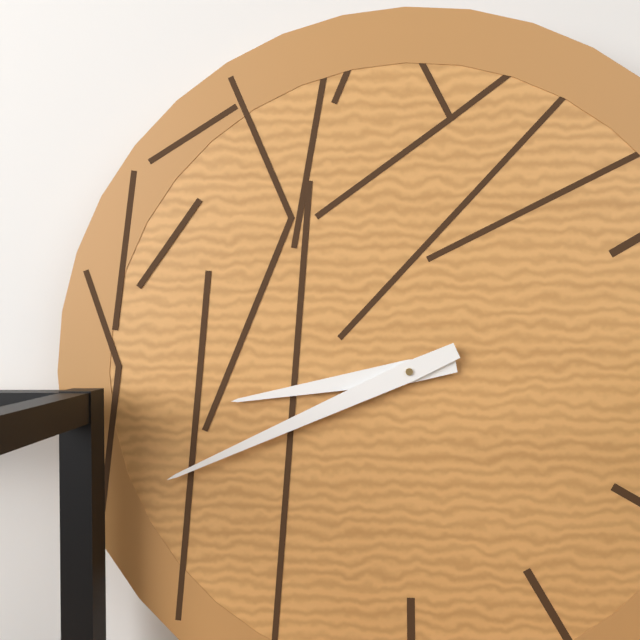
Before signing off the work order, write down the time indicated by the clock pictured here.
8:41
